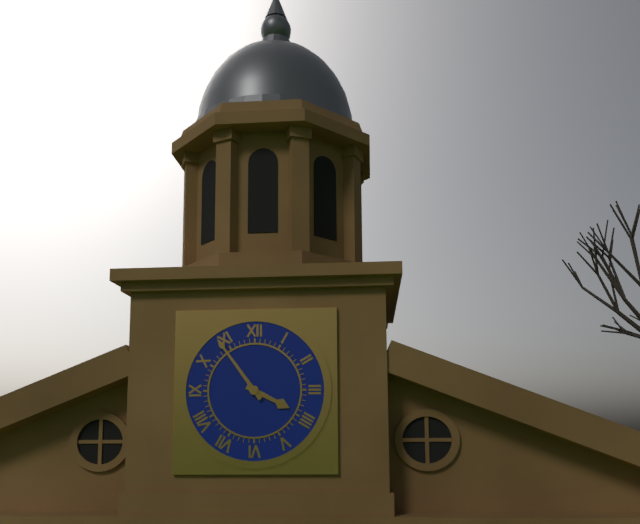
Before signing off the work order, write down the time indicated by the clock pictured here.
3:54
